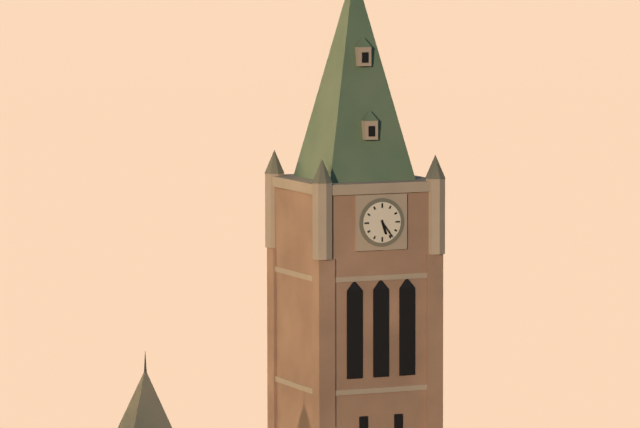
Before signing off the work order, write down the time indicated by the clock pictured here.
5:24
